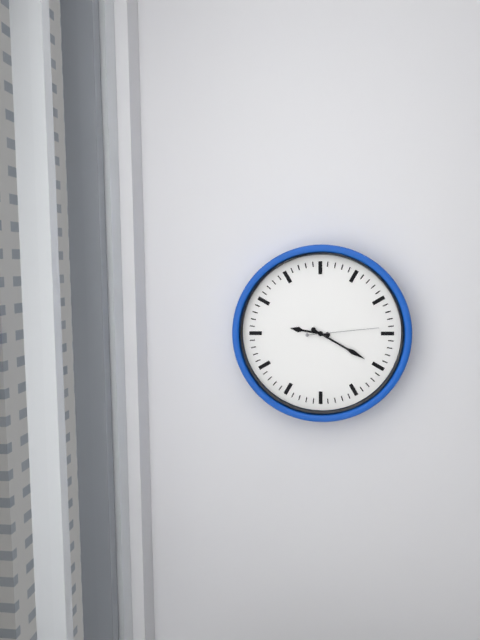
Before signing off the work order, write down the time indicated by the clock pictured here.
9:20:14
